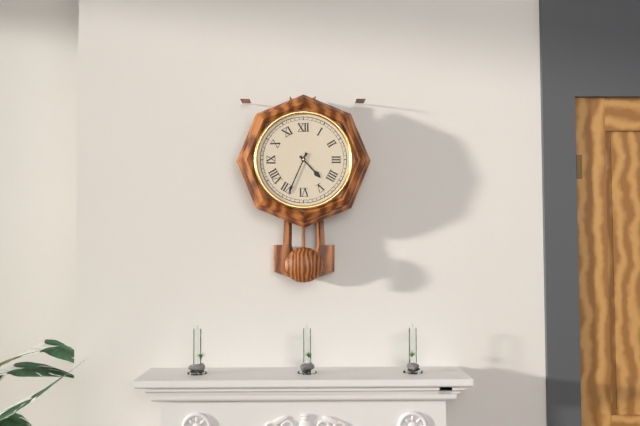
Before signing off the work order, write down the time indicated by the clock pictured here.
4:34
